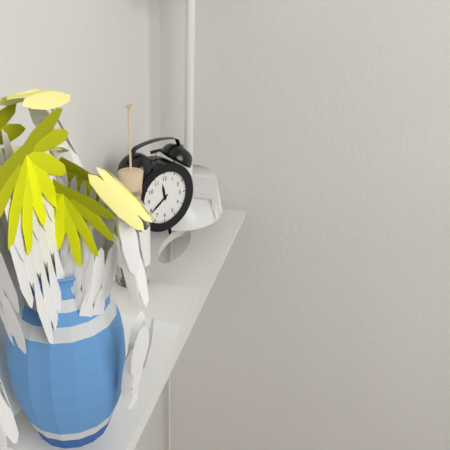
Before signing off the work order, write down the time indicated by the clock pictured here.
11:39
